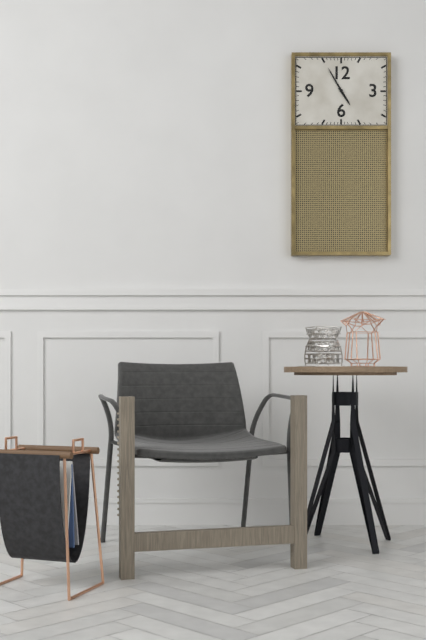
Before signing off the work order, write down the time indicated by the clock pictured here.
4:55
